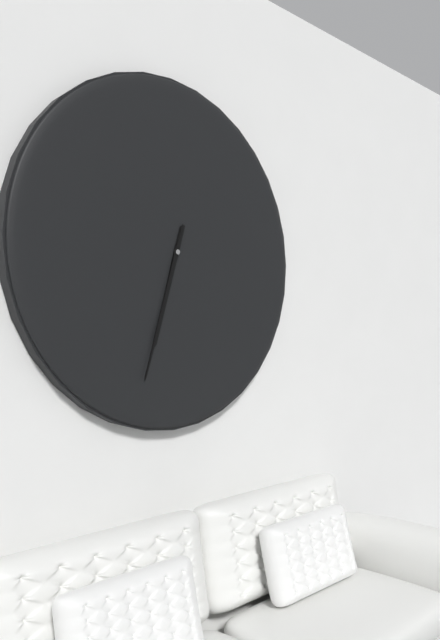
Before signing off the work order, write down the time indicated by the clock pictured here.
6:33
